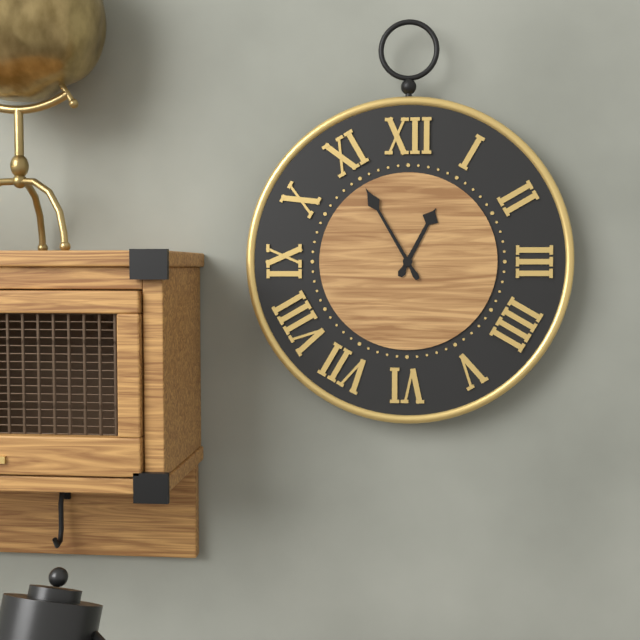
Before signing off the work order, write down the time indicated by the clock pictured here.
12:55
